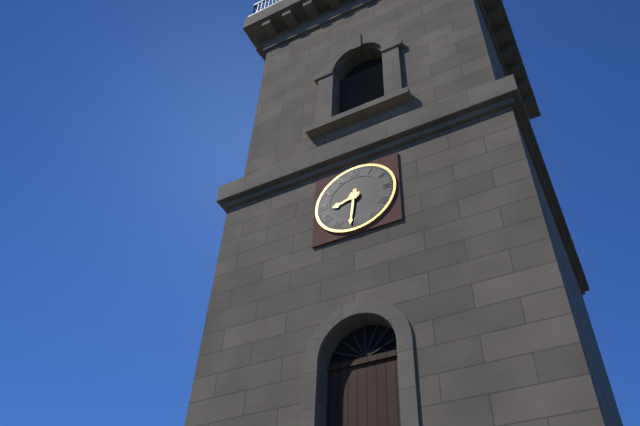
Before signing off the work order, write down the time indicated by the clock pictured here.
8:31
